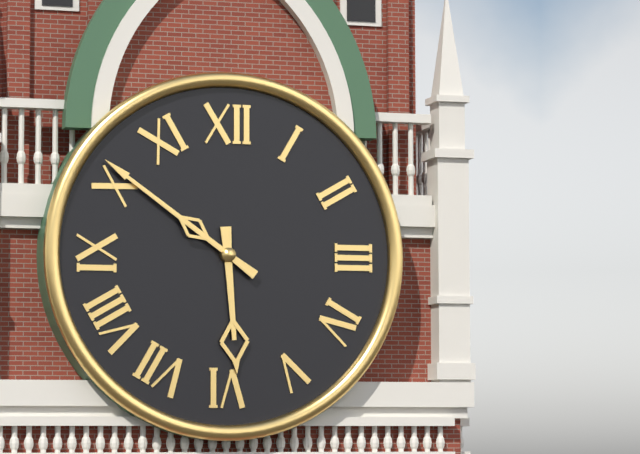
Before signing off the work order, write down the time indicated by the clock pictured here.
5:51
